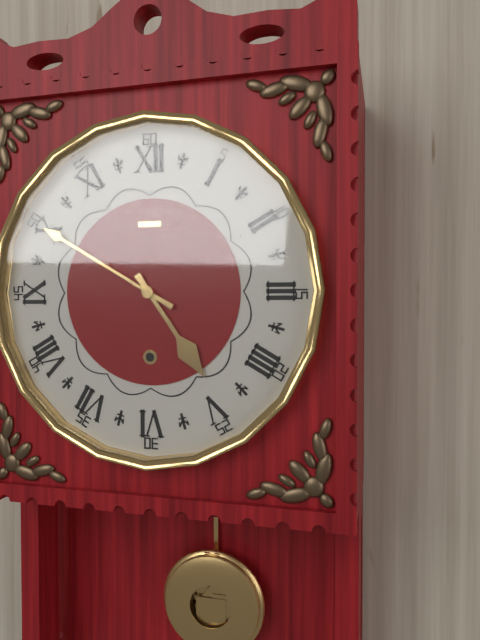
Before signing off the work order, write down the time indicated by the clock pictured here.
4:50
